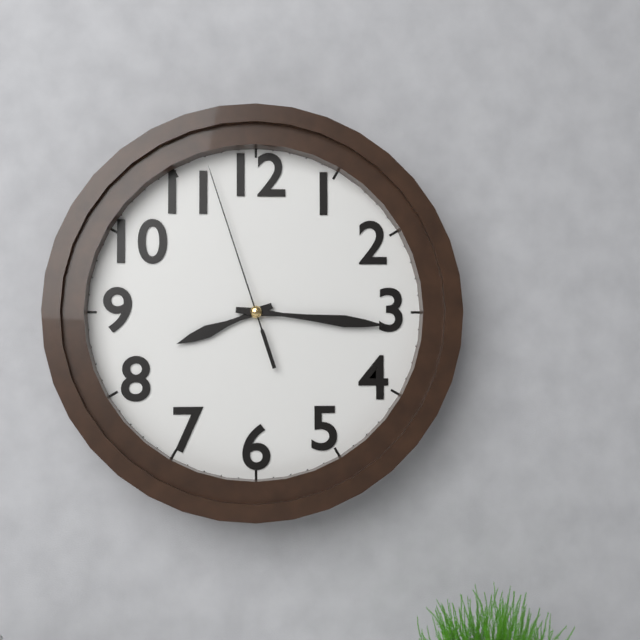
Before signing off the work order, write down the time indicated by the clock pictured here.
8:16:57
